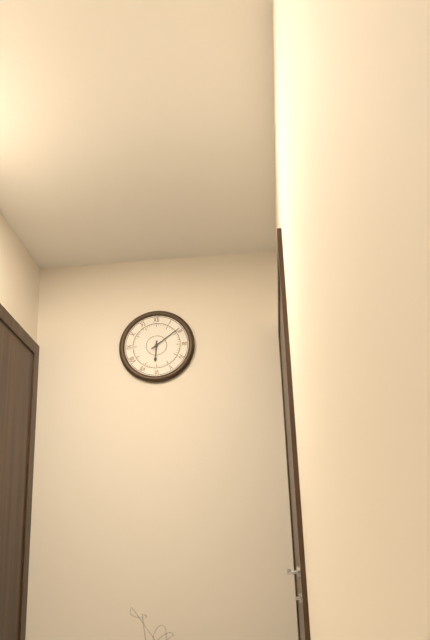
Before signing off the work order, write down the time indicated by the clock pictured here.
6:09
